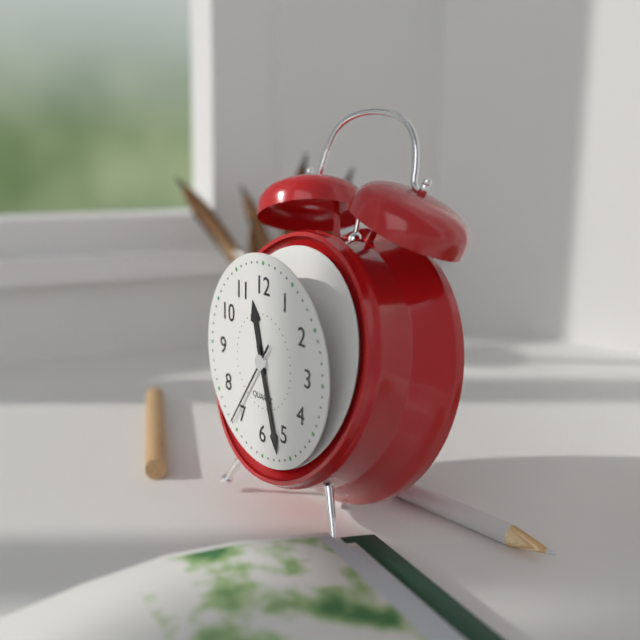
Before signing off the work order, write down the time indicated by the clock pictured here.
11:27:36
